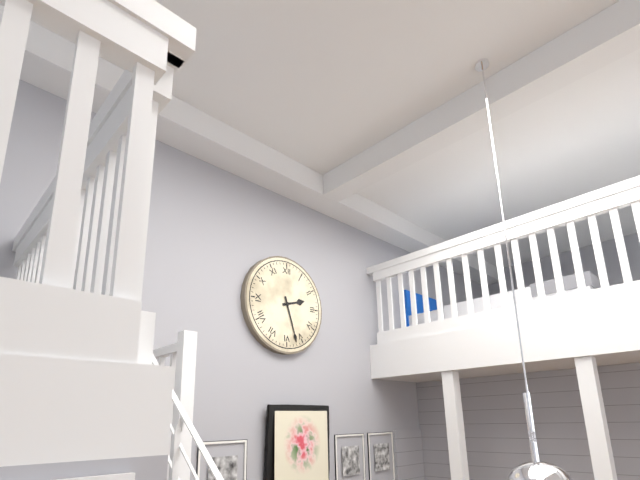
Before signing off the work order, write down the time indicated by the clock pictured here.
2:27
